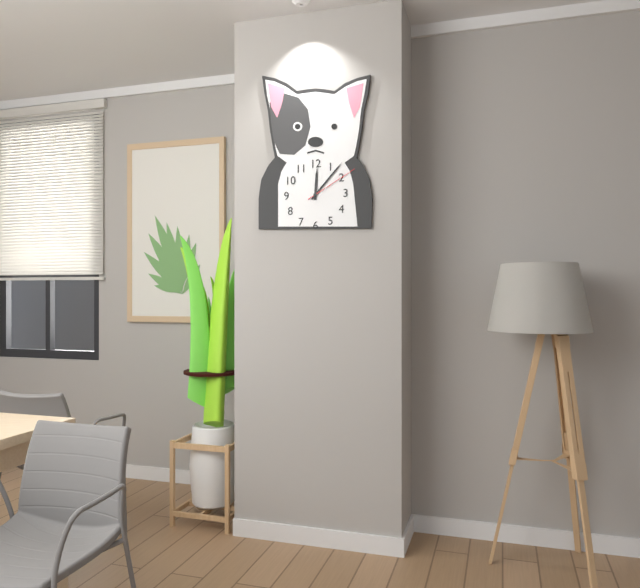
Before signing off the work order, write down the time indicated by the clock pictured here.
12:07:10
